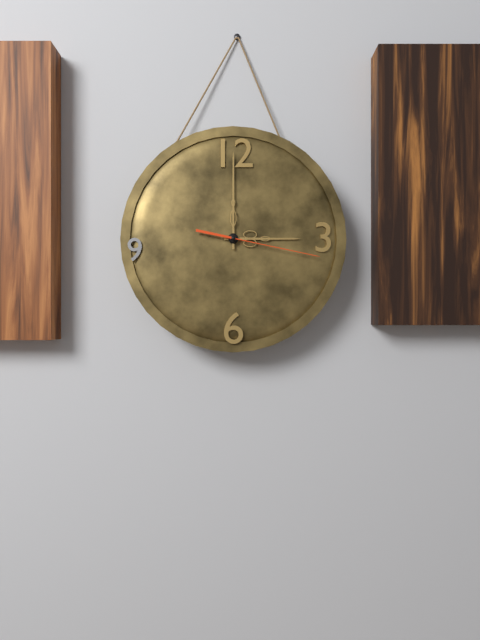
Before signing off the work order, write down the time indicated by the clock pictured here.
3:00:17
